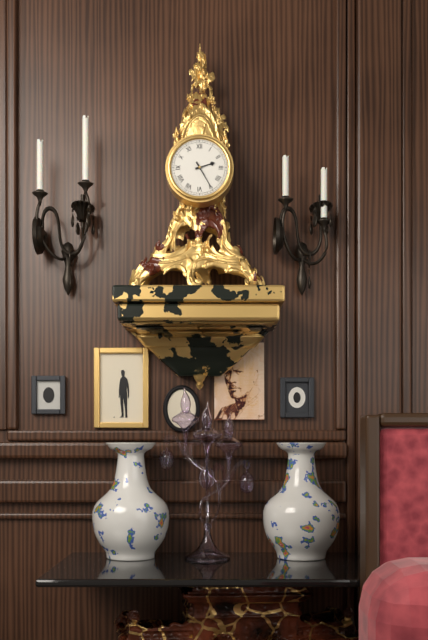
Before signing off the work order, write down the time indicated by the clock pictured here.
2:25
